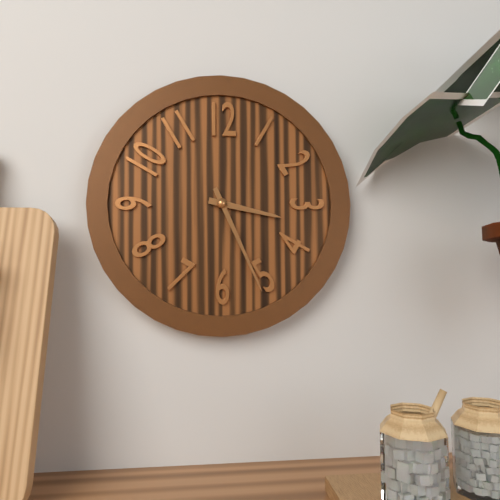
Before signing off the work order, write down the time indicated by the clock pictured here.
3:26
